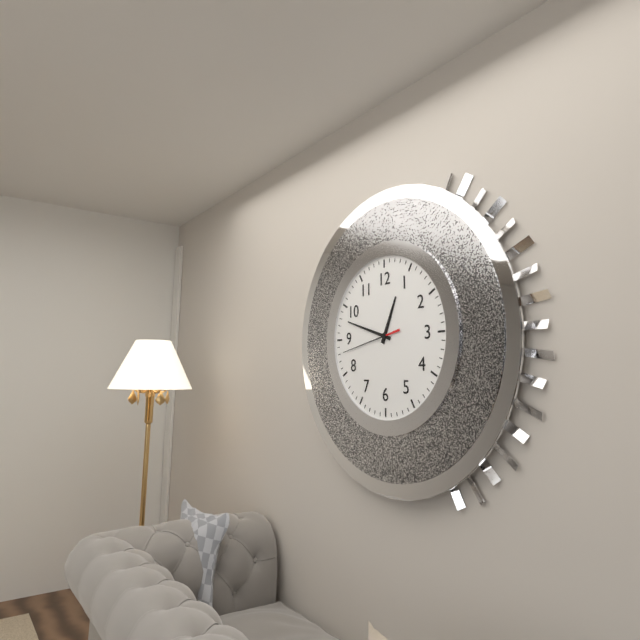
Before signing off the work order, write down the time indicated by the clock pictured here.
12:48:43
